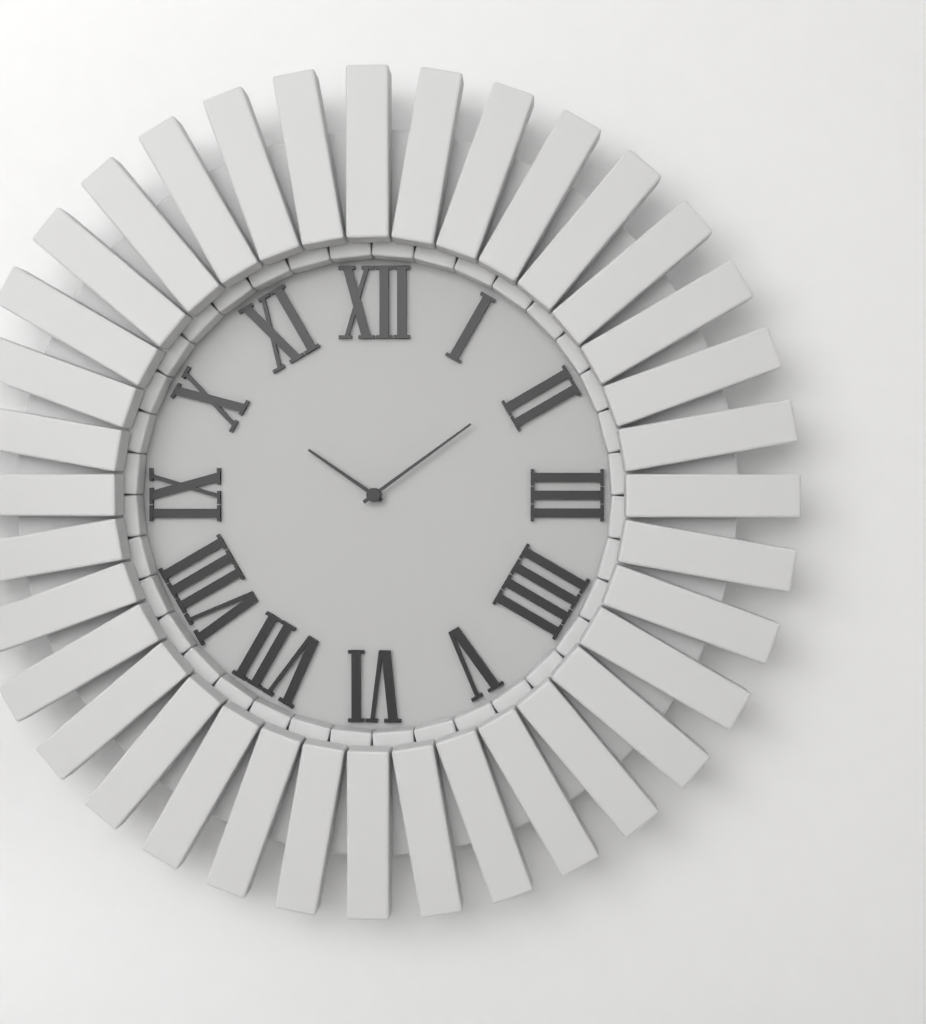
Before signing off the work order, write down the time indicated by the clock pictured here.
10:09
